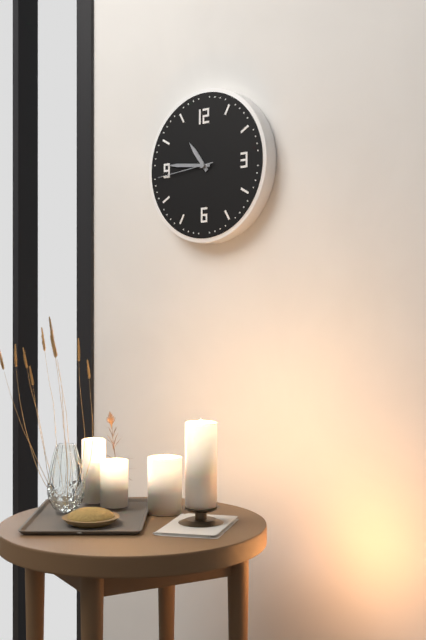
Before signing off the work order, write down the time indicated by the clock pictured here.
10:46:44
